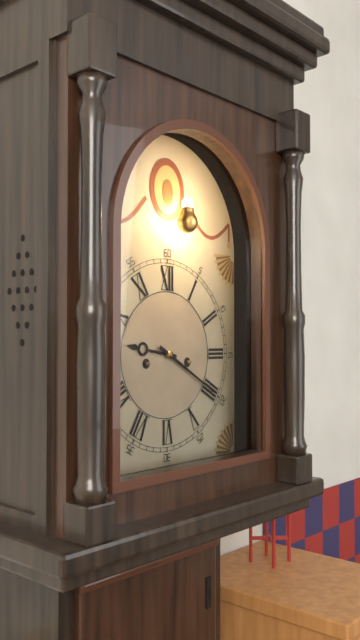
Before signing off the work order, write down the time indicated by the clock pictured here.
9:20
